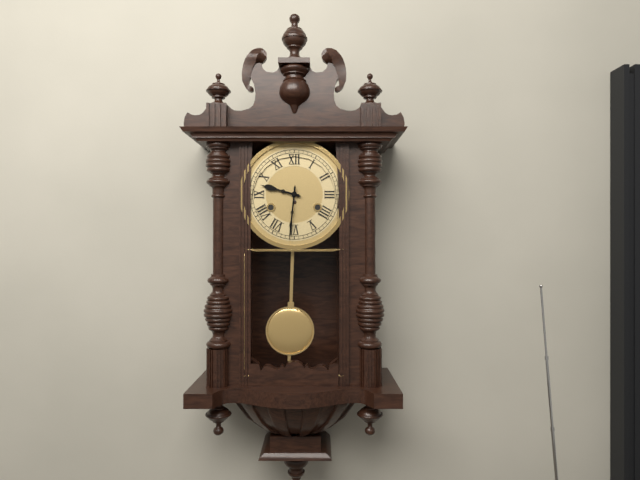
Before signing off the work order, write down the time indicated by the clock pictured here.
9:31
